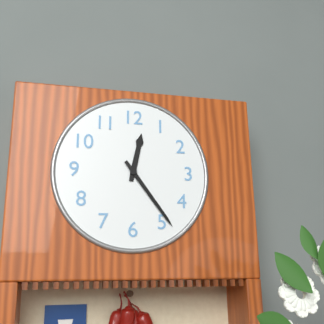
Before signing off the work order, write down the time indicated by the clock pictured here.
12:24
